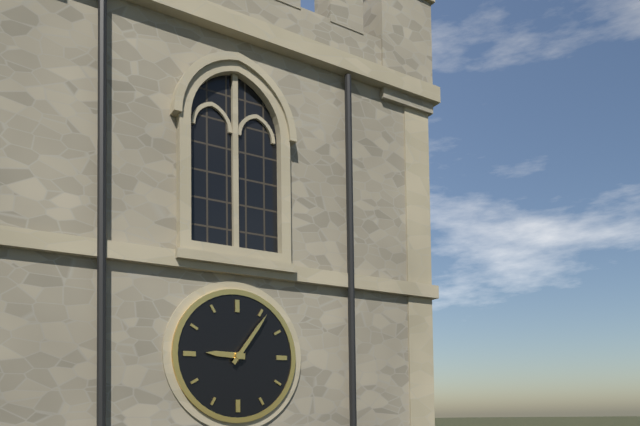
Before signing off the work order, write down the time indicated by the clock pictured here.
9:06
